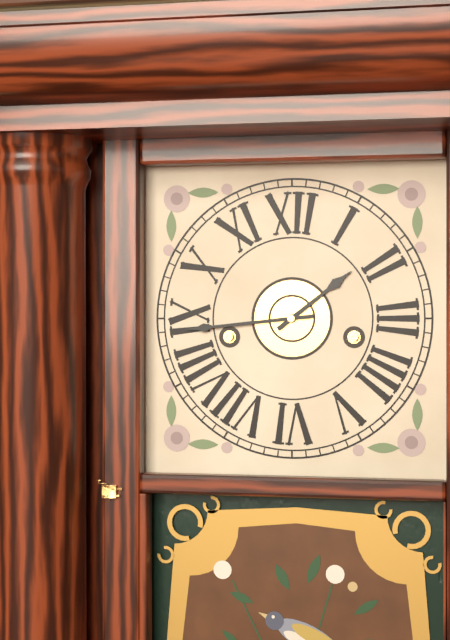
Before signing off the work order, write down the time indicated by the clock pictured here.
1:44
